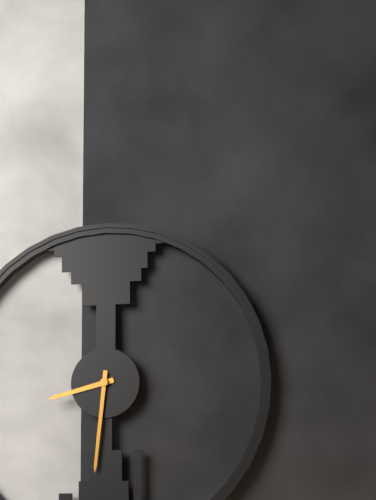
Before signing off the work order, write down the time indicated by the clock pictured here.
8:31
